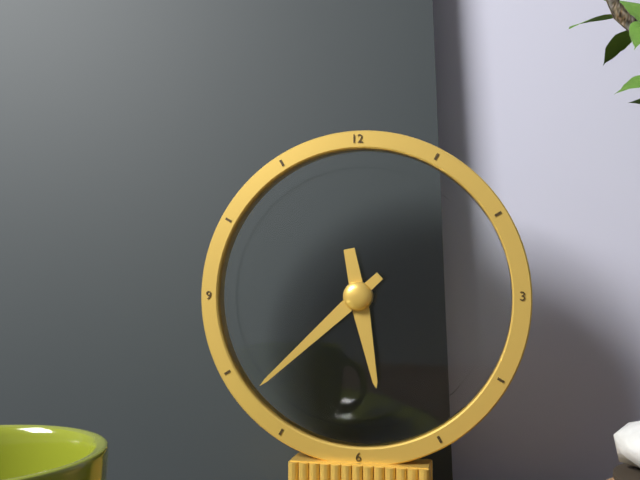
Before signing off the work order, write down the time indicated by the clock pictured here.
5:38
